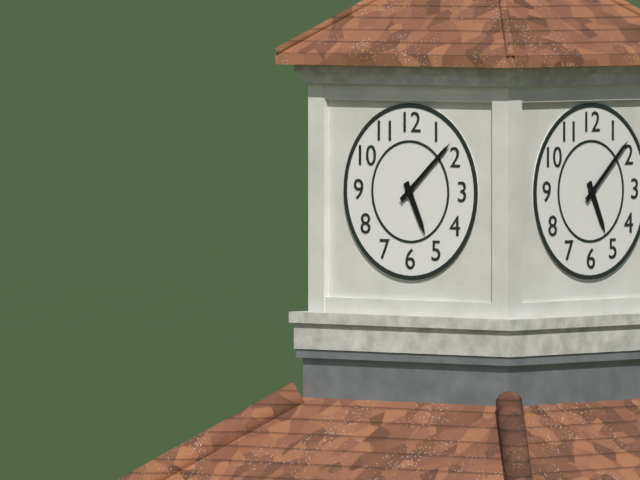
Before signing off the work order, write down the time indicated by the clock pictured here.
5:08
